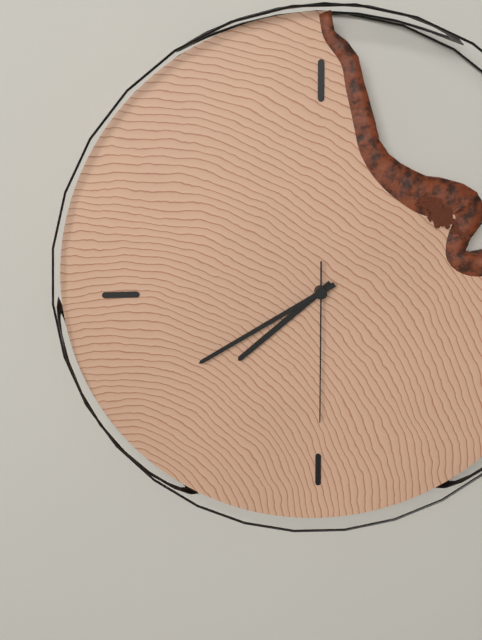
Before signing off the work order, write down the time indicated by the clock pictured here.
7:40:30
